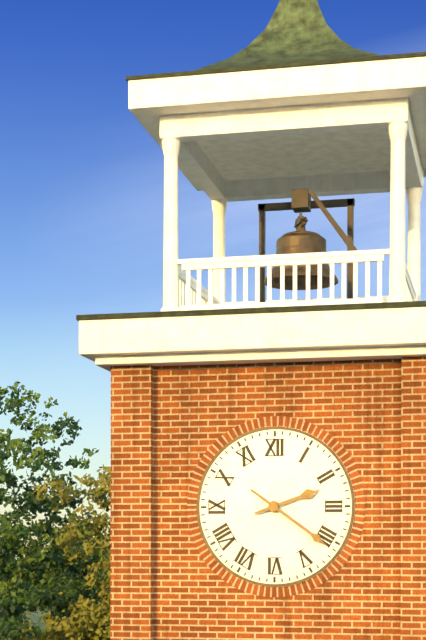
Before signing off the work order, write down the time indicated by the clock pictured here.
2:21
